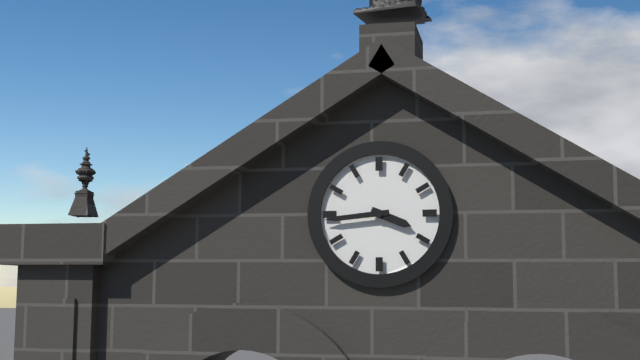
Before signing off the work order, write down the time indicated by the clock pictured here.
3:44
